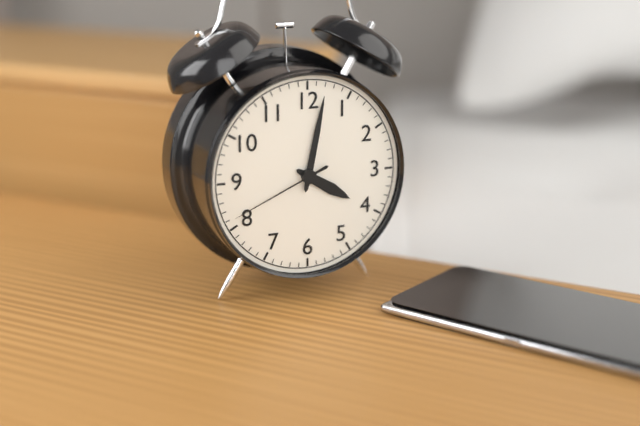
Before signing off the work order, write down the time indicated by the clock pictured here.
4:02:41
